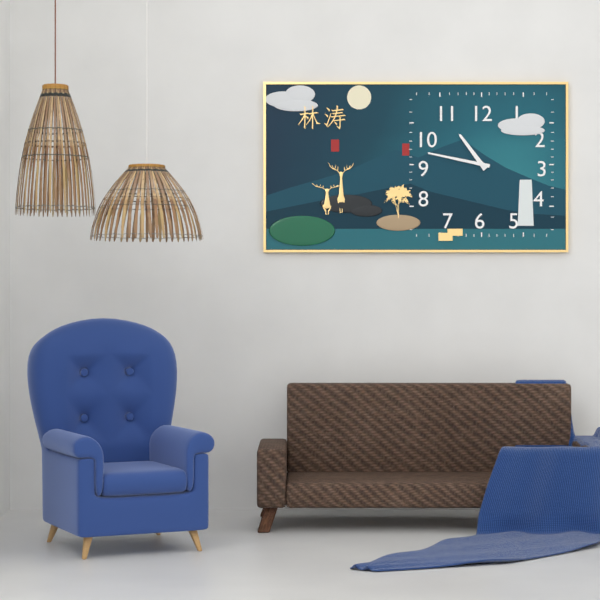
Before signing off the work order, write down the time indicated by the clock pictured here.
10:47
